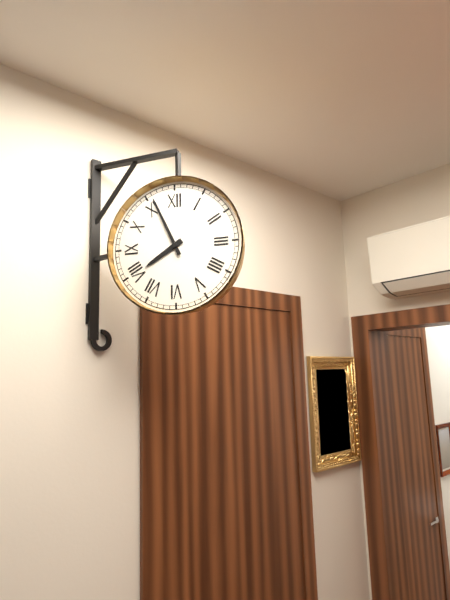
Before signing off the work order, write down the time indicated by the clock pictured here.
7:56
